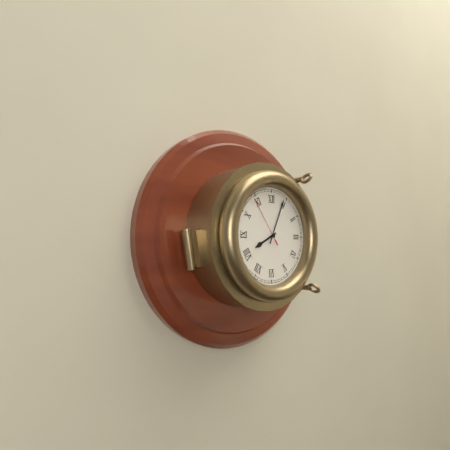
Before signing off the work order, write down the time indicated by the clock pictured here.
8:04:54
